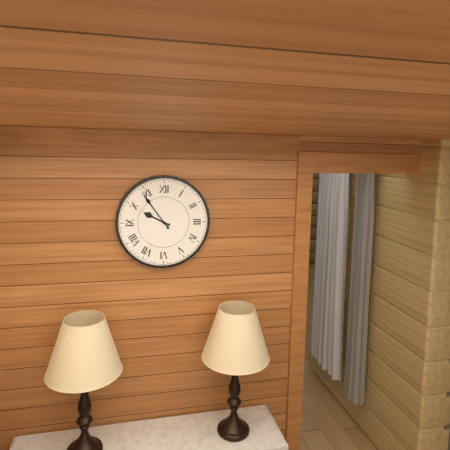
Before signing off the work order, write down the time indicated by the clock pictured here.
9:54
